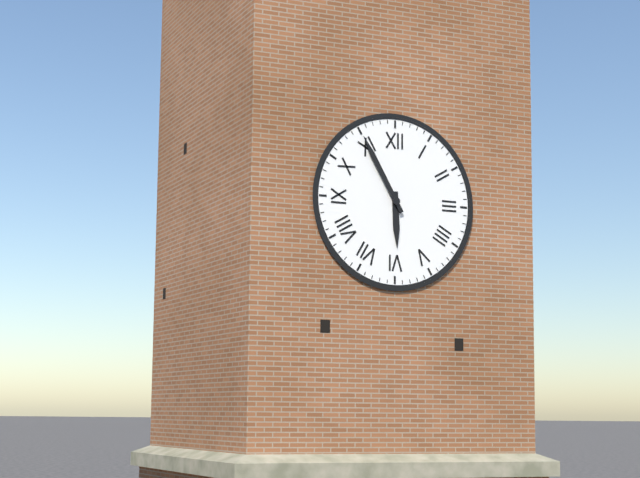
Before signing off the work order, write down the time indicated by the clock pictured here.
5:55
